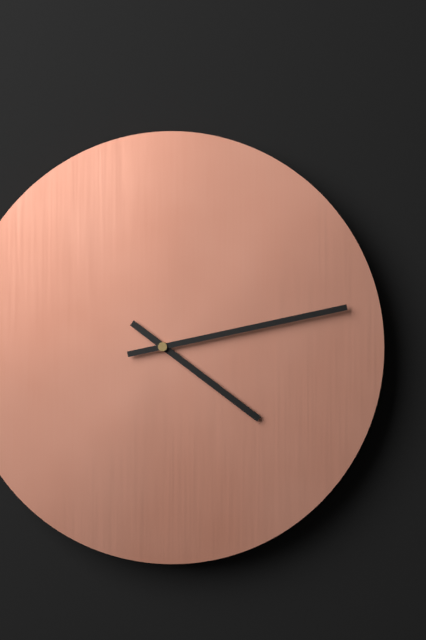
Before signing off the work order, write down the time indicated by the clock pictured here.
4:13
